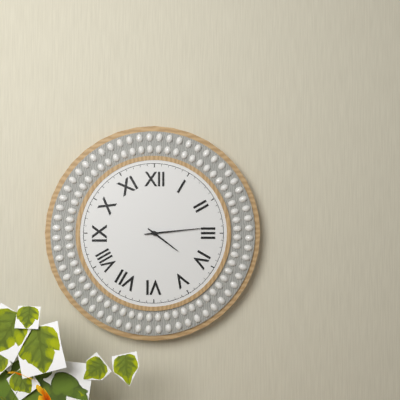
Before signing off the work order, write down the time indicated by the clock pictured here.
4:14
